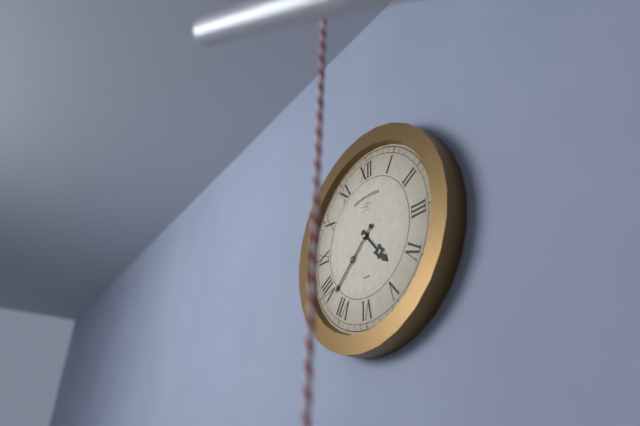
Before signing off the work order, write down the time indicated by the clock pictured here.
4:38
